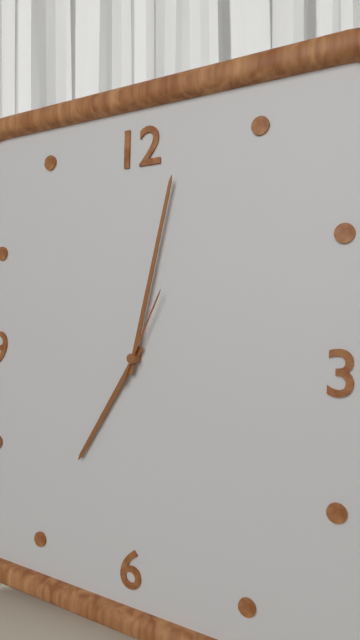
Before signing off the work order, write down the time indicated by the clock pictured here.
7:02:04
